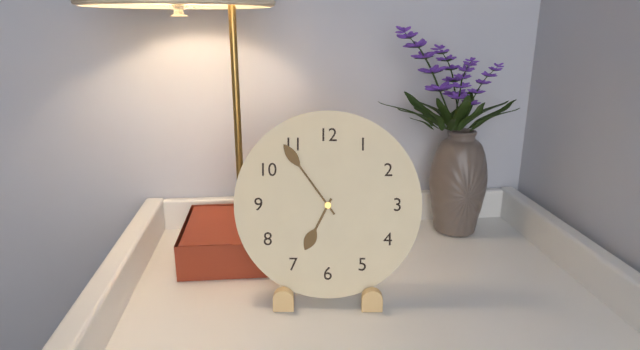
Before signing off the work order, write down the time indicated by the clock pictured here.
6:54
